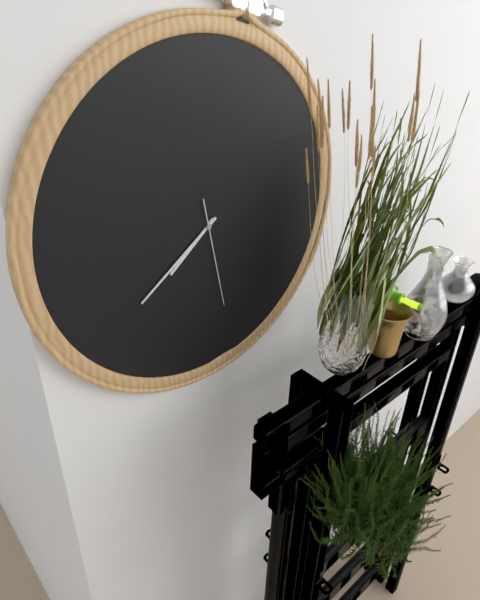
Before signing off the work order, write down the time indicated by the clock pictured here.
7:39:28
